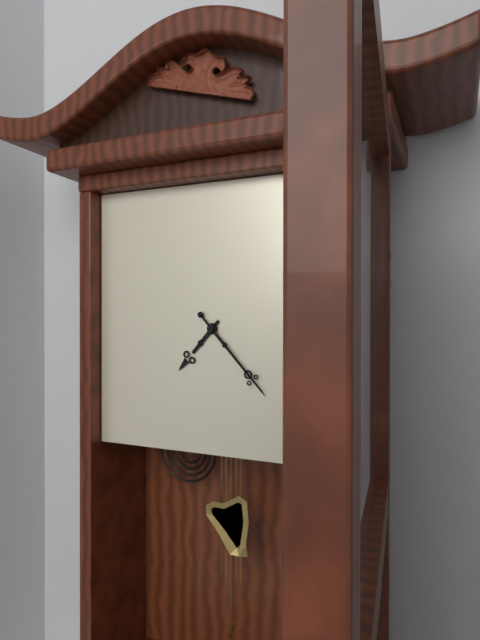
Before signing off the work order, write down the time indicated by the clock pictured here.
7:23
